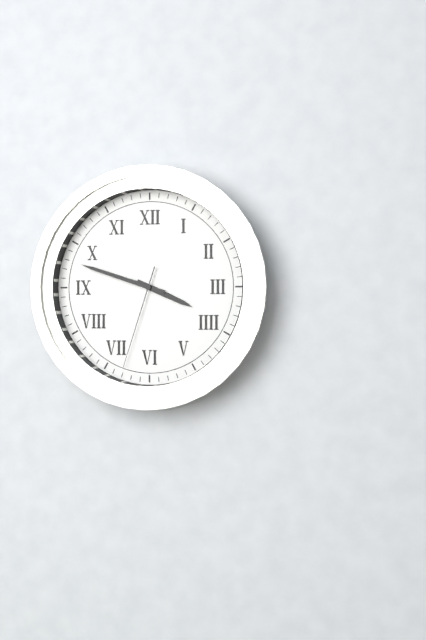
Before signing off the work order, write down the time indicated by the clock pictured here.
3:48:33
